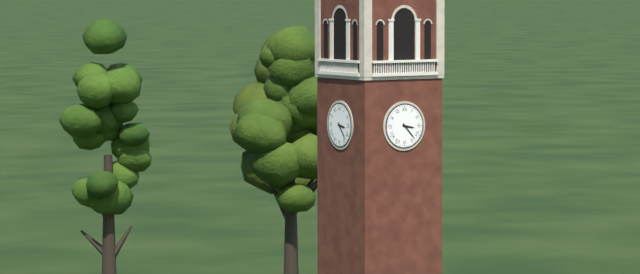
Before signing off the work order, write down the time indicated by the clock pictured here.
3:23
